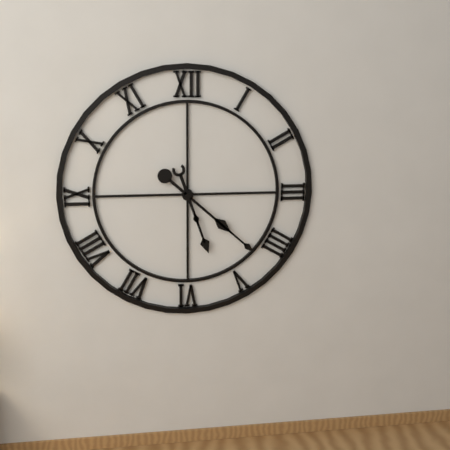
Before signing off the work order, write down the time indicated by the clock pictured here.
5:22
